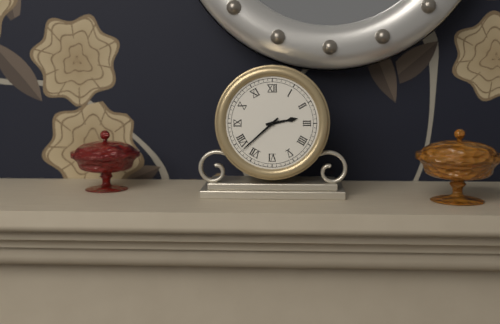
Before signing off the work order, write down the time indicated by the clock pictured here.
2:38
